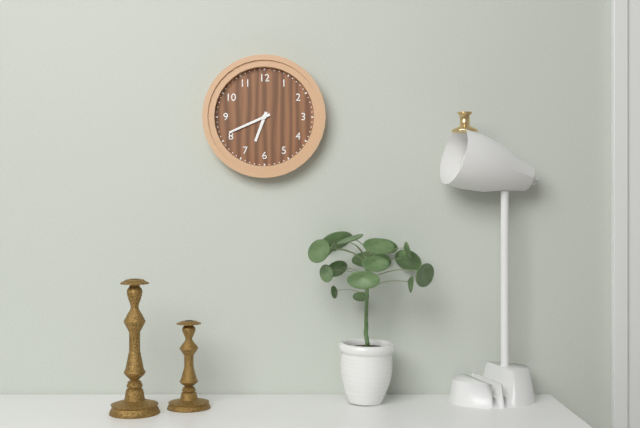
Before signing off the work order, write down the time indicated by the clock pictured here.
6:41
